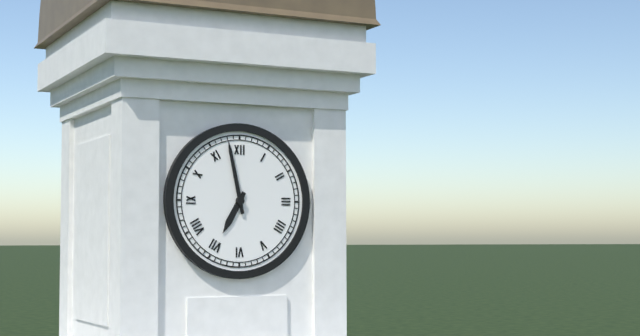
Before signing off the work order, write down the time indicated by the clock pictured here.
6:58
